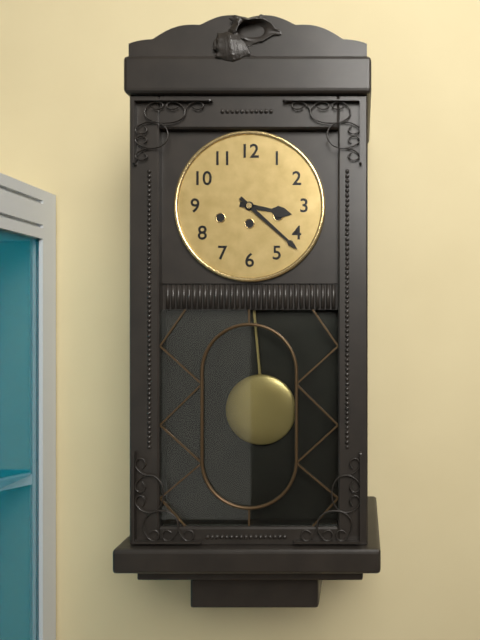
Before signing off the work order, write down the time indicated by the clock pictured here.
3:22
